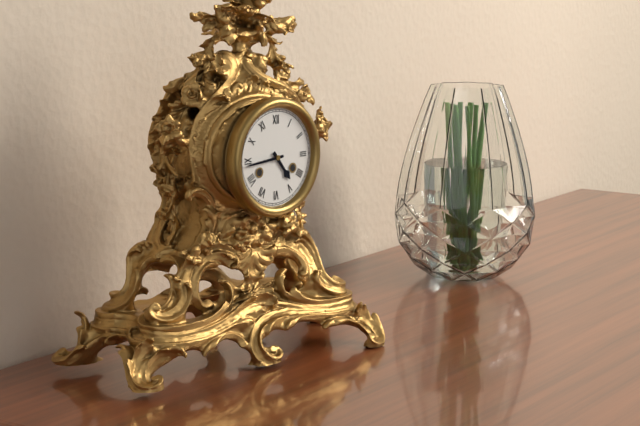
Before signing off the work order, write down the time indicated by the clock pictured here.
4:44
